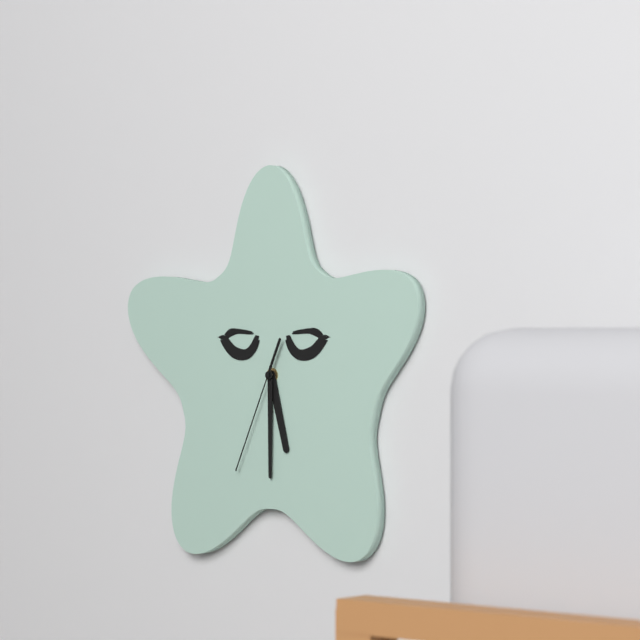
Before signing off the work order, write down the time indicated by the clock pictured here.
5:30:34
